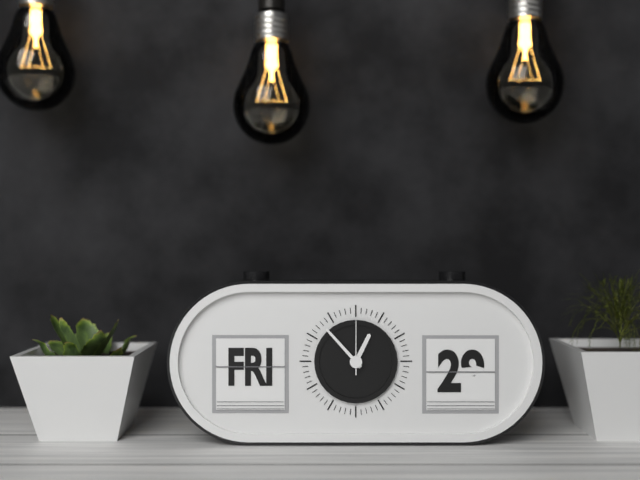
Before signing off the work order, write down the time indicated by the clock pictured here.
12:53:00
